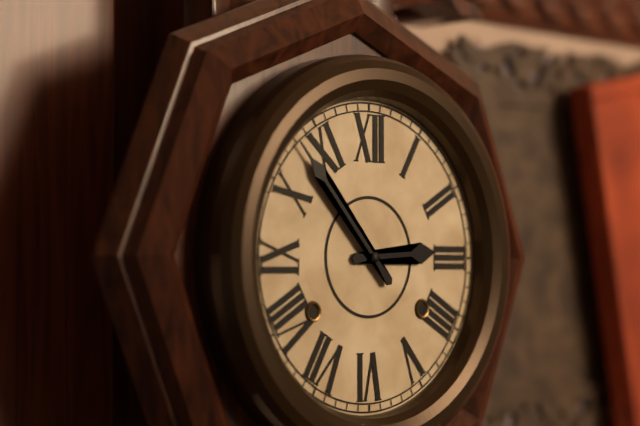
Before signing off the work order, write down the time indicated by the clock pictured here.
2:53
